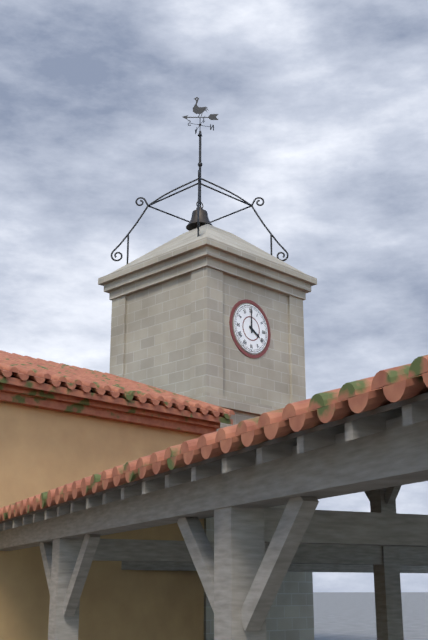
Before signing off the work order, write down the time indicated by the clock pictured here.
4:00
